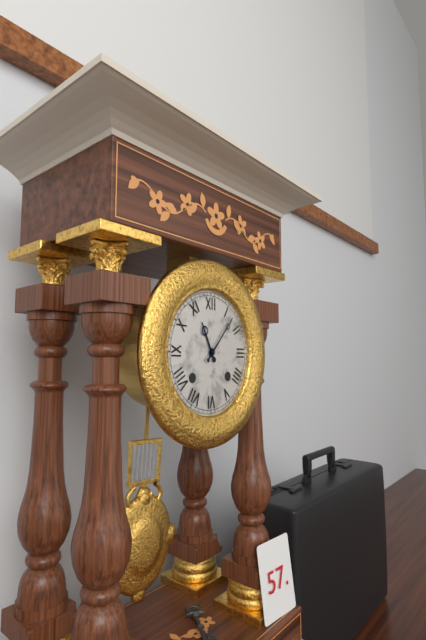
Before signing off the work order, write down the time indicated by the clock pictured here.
11:07
